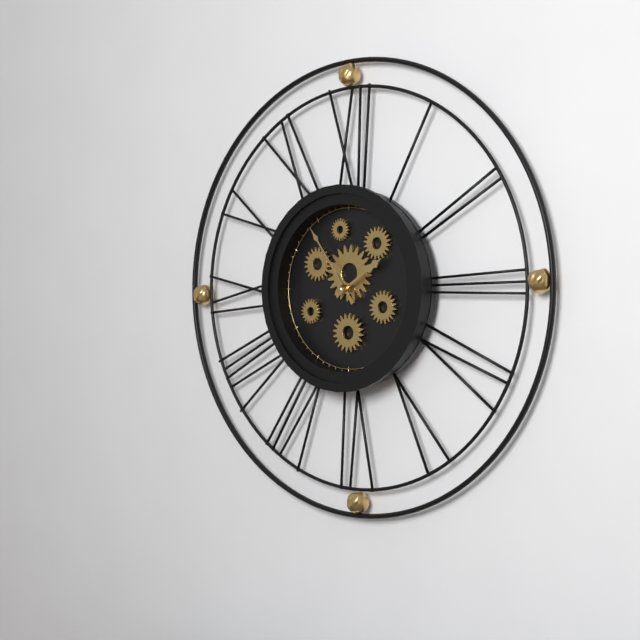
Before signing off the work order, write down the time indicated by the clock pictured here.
1:54
